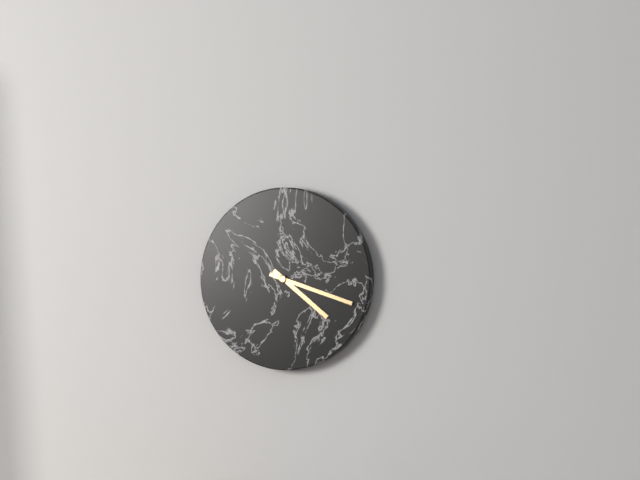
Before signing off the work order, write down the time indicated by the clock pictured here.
4:18
